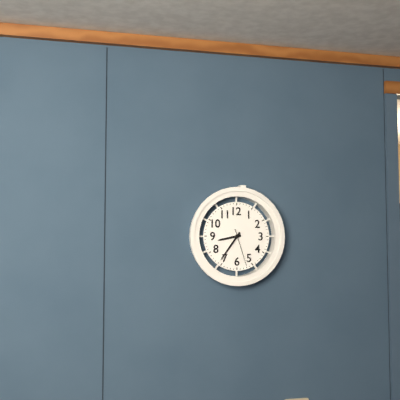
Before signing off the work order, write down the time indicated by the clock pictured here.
8:36
